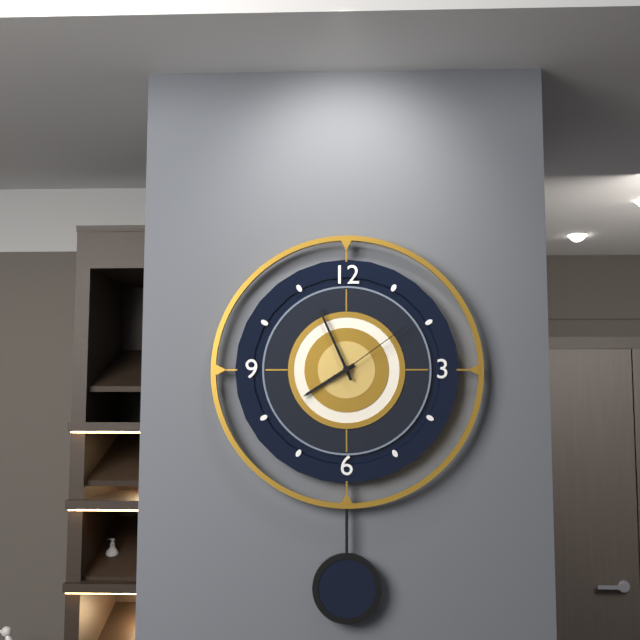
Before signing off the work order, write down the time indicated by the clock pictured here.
7:56:09
